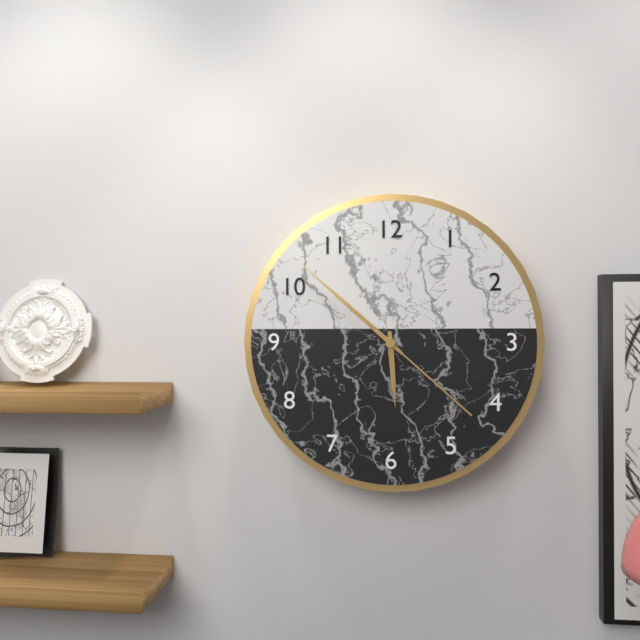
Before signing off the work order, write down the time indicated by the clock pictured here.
5:52:52
